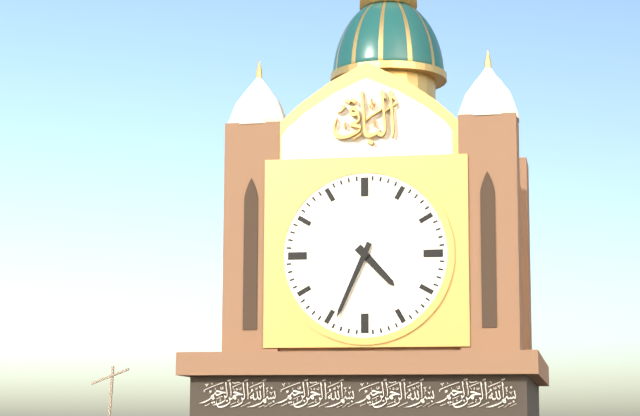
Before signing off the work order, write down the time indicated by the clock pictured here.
4:34
